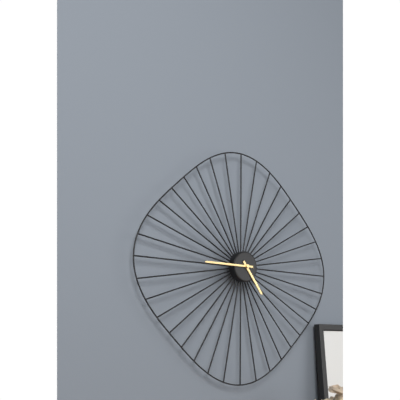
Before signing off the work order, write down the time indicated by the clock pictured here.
4:45
